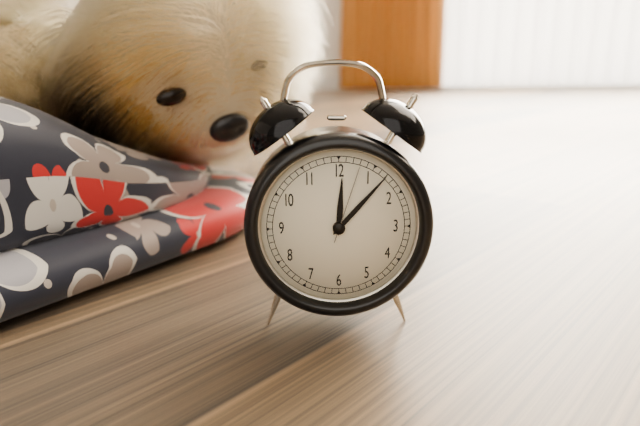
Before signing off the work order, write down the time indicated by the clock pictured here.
12:07:03
